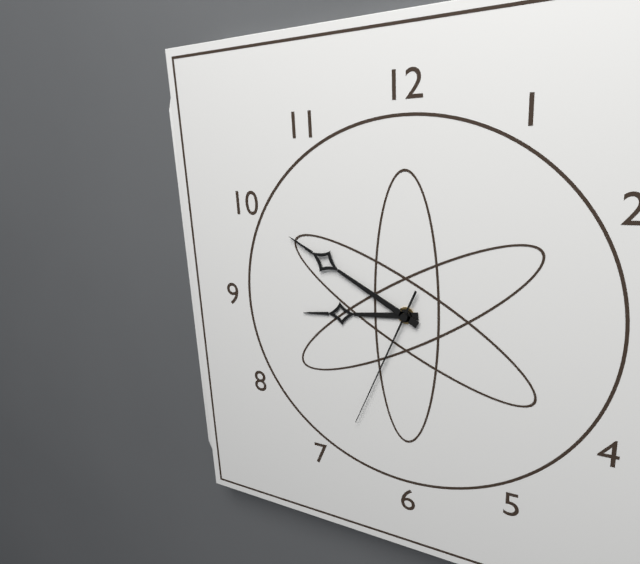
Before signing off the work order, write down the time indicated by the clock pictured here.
8:50:34
